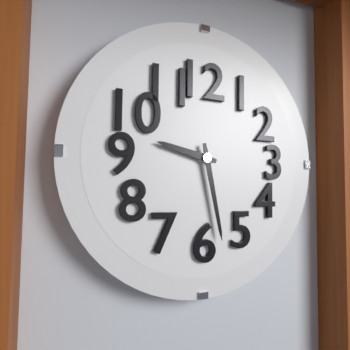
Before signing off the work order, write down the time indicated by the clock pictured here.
9:28
